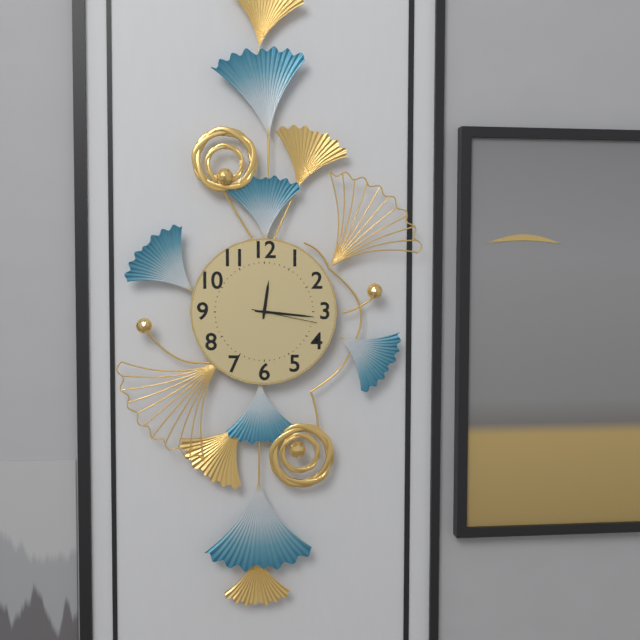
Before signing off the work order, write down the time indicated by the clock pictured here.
12:16:17
